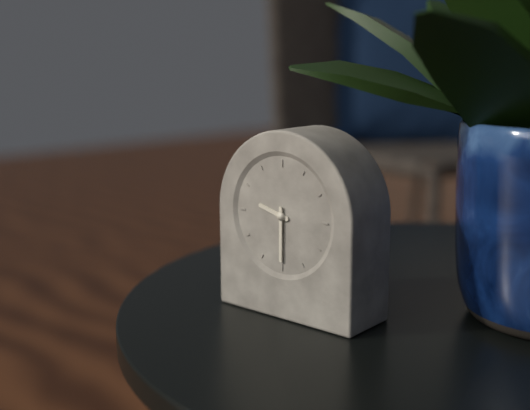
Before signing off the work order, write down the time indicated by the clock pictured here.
9:30
